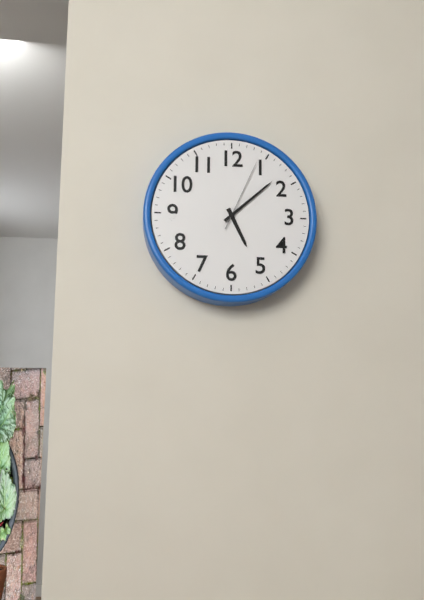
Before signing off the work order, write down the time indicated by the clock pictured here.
5:08:04
